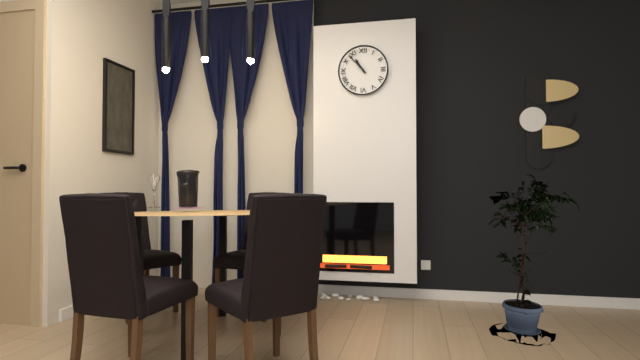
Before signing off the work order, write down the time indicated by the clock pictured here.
10:53
